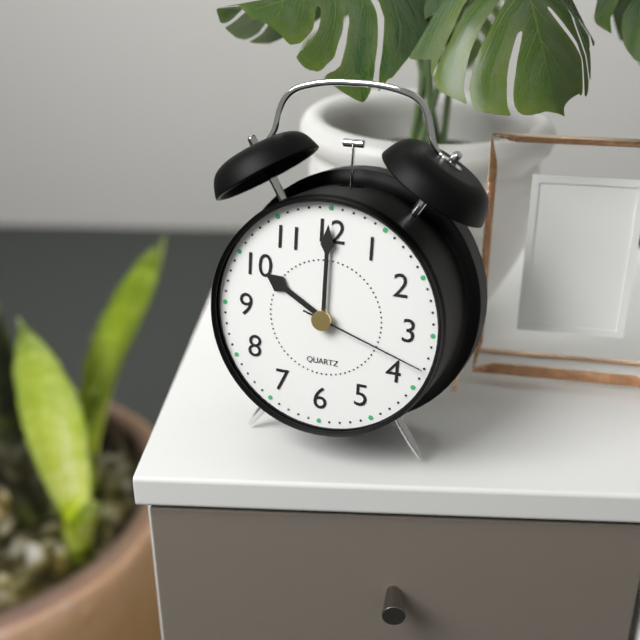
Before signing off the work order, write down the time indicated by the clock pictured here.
10:00:18
